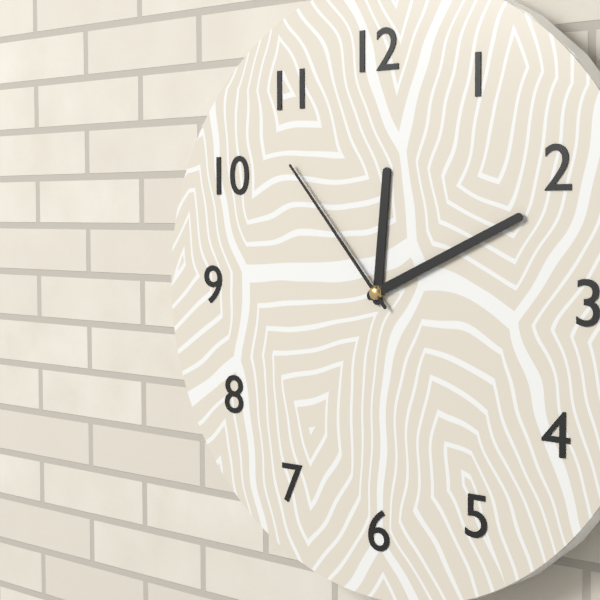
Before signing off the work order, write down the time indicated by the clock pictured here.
12:11:53
